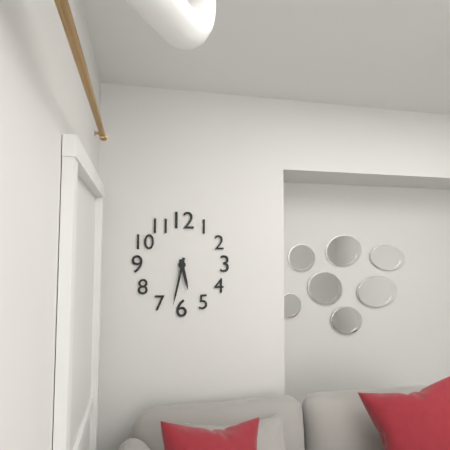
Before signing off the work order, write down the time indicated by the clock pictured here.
5:32
